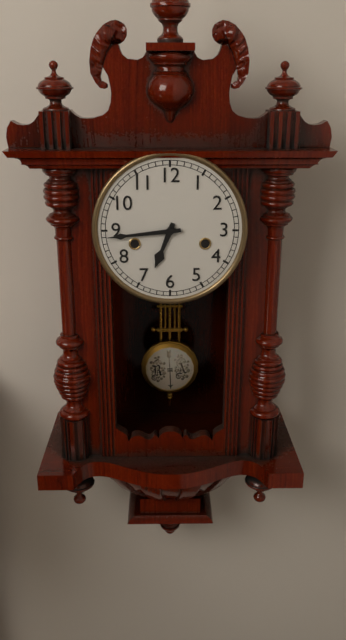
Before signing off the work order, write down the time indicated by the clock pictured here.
6:44
